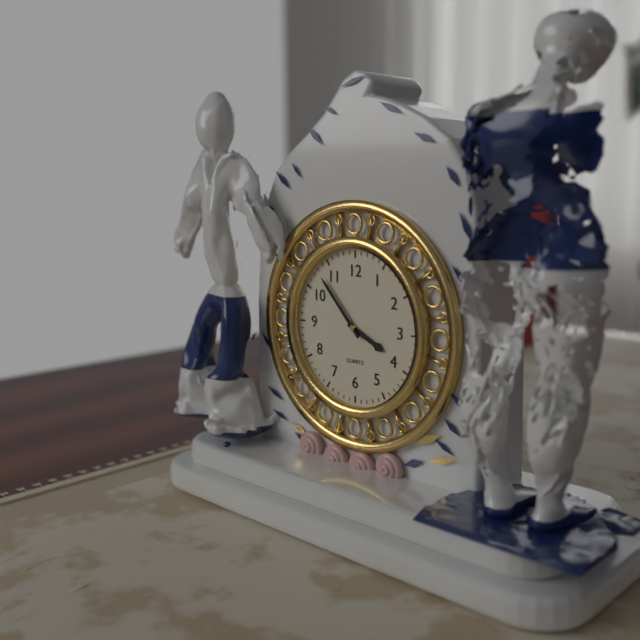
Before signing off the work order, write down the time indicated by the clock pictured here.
3:53
